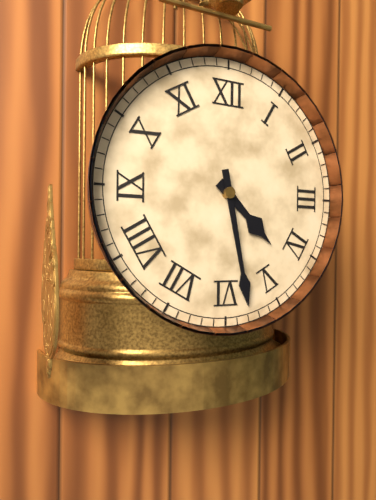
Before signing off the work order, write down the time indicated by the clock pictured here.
4:28
